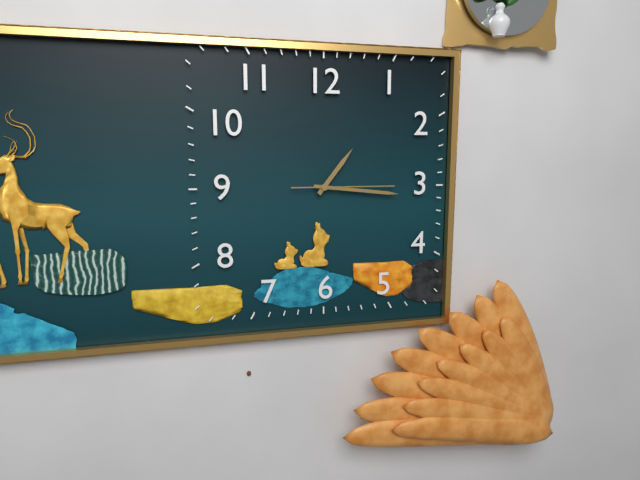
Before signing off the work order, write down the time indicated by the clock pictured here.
1:16:15
